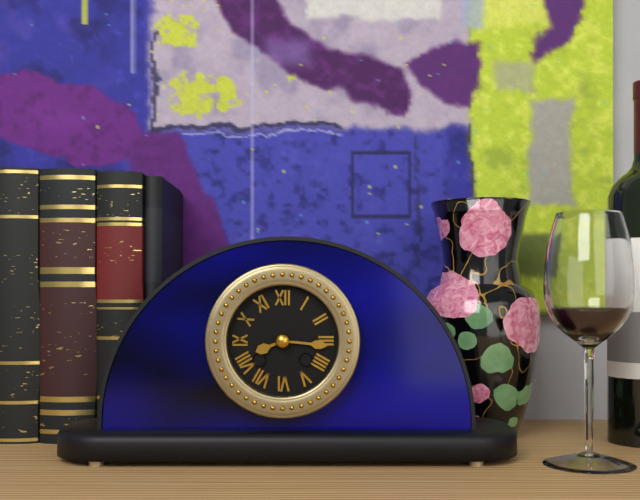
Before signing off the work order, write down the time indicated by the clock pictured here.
8:16
